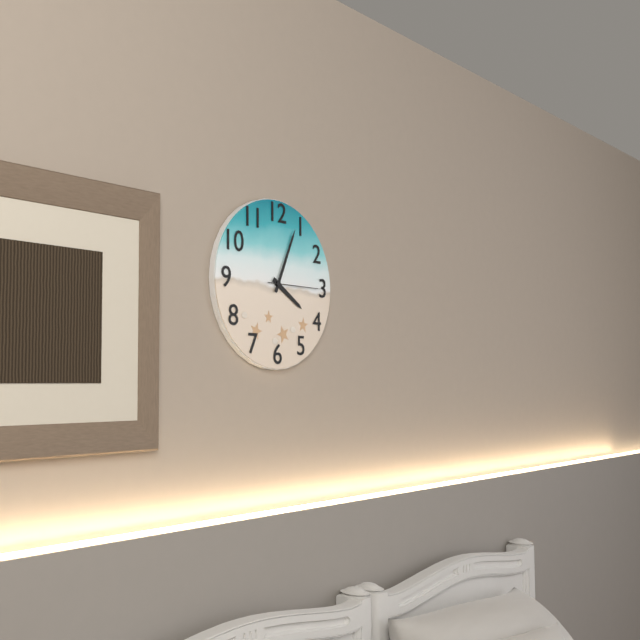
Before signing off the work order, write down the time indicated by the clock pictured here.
4:04:15
